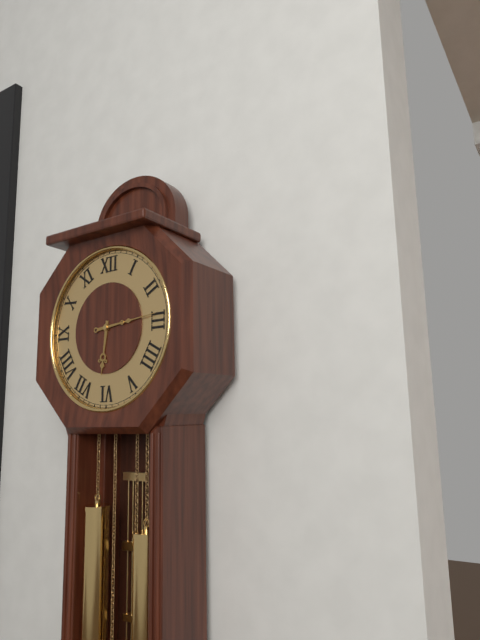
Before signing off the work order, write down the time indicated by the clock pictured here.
6:14
